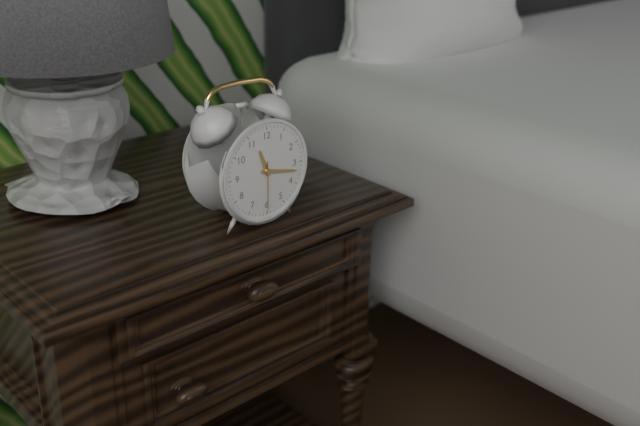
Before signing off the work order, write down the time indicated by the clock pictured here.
11:17:30
